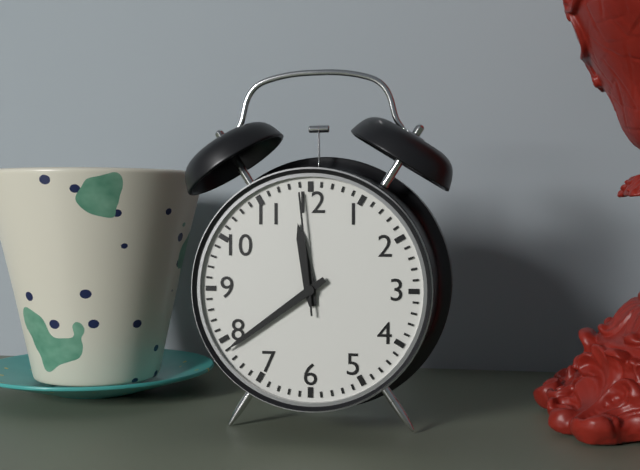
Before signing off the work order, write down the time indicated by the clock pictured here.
11:39:59
